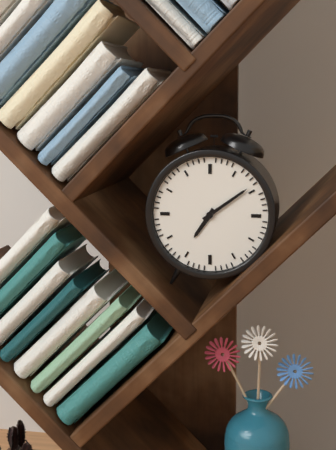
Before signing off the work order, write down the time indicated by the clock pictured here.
7:09
